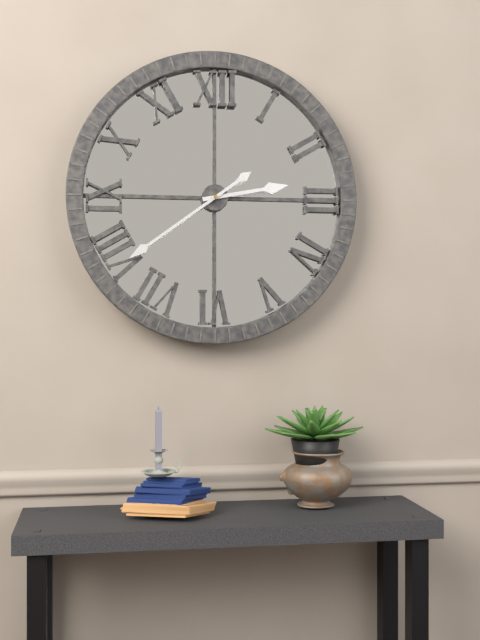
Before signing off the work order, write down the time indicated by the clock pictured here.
2:39
